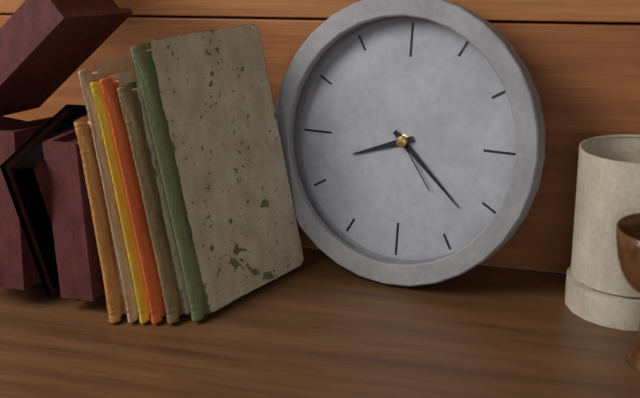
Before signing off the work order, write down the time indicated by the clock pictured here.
8:22:24
